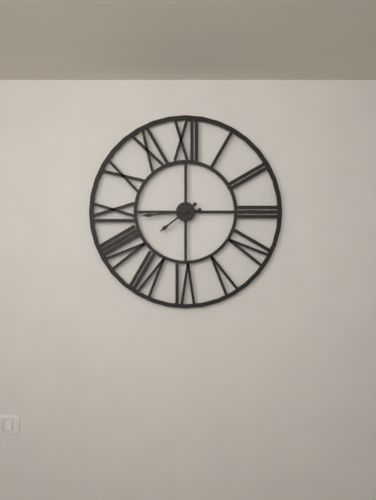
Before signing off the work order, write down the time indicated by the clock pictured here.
7:44
